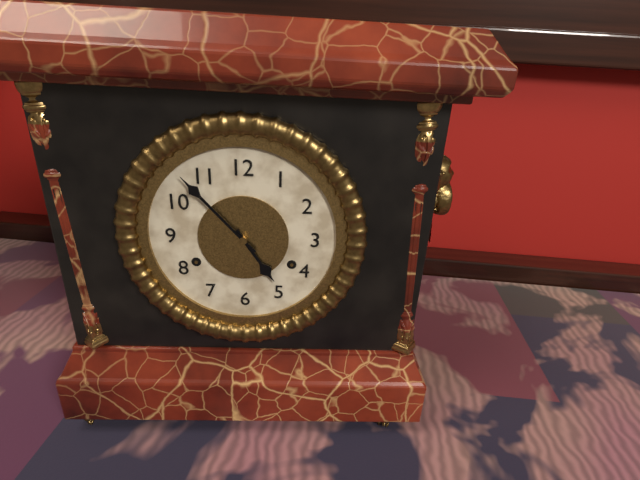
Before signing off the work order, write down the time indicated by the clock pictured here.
4:53
